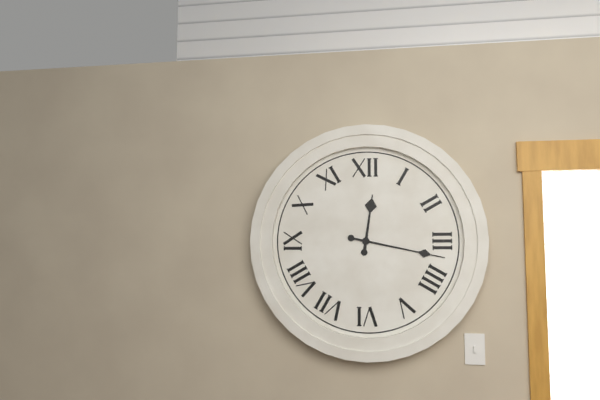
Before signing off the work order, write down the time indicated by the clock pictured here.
12:17
